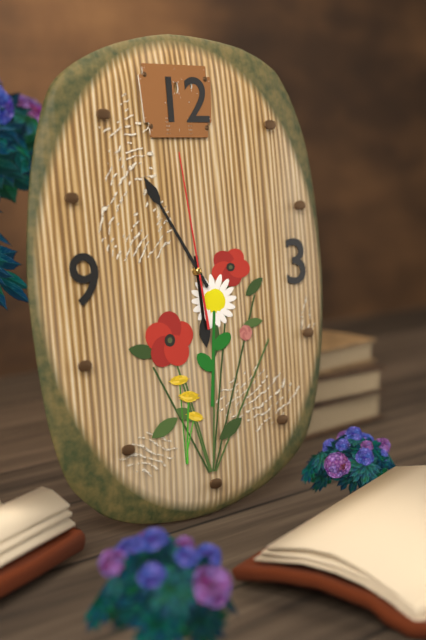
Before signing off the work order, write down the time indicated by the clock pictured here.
5:55:59
